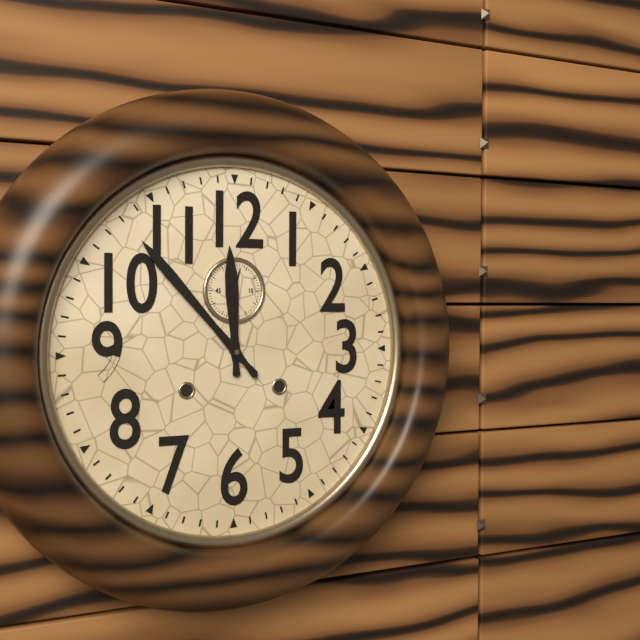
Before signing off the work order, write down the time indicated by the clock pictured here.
11:53
